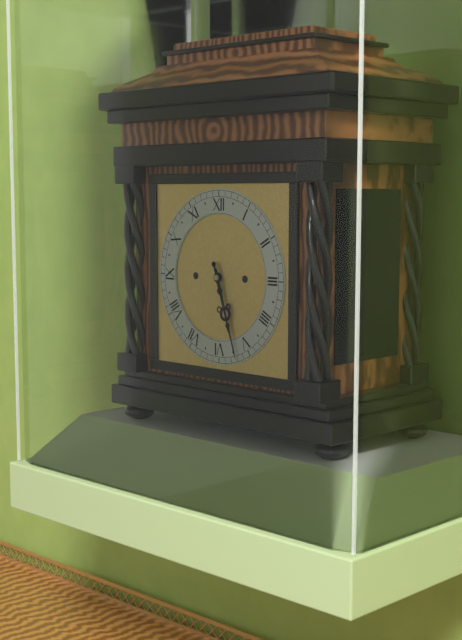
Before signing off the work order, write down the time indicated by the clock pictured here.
5:27
